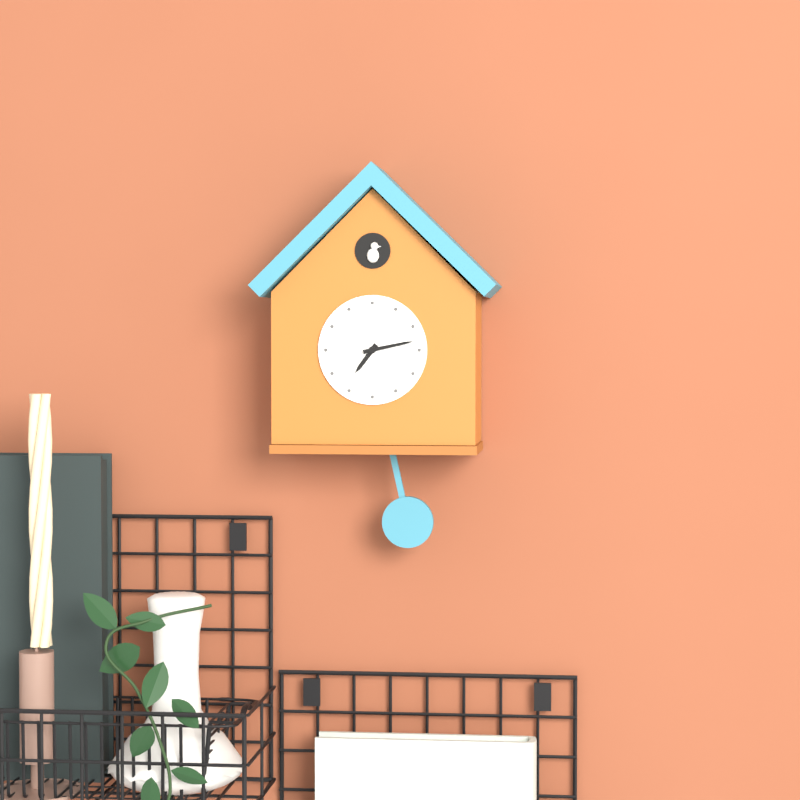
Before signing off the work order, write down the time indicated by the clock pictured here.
7:13
